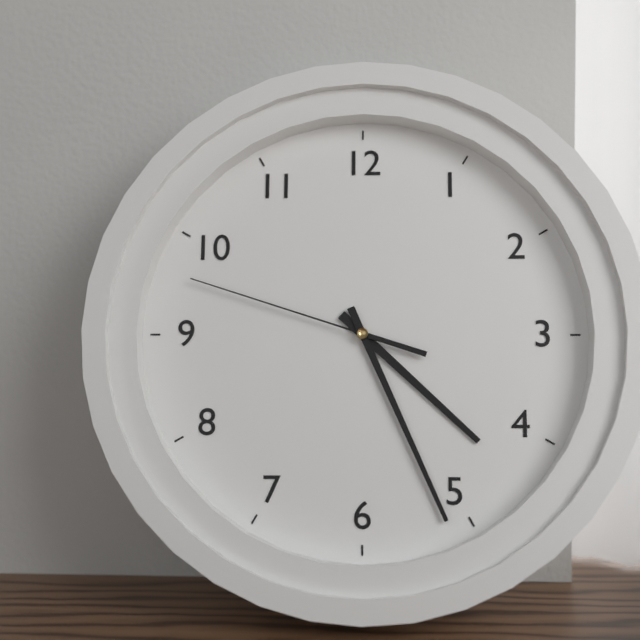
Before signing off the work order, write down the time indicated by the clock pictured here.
4:26:48
